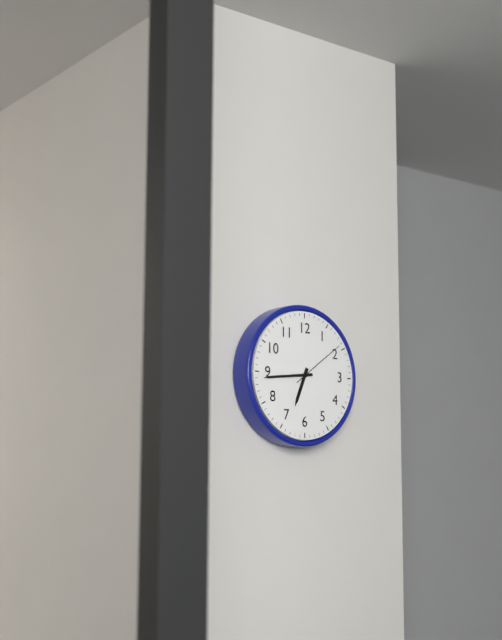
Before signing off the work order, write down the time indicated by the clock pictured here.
6:44:09
